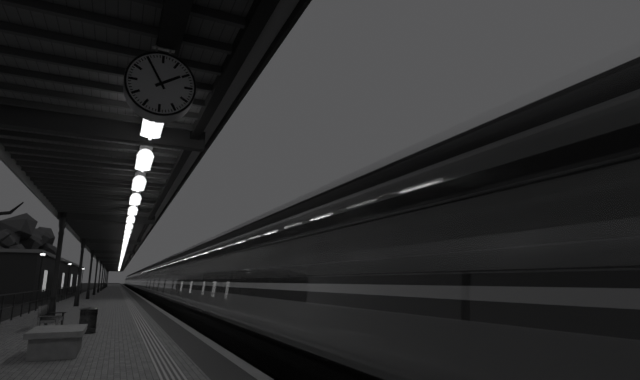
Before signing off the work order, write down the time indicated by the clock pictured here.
1:55
